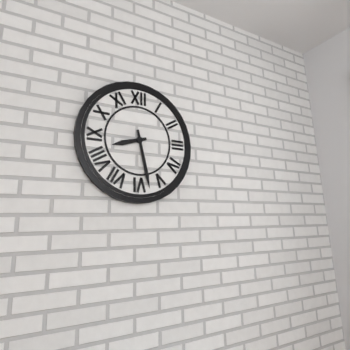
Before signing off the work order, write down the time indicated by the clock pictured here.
8:28
